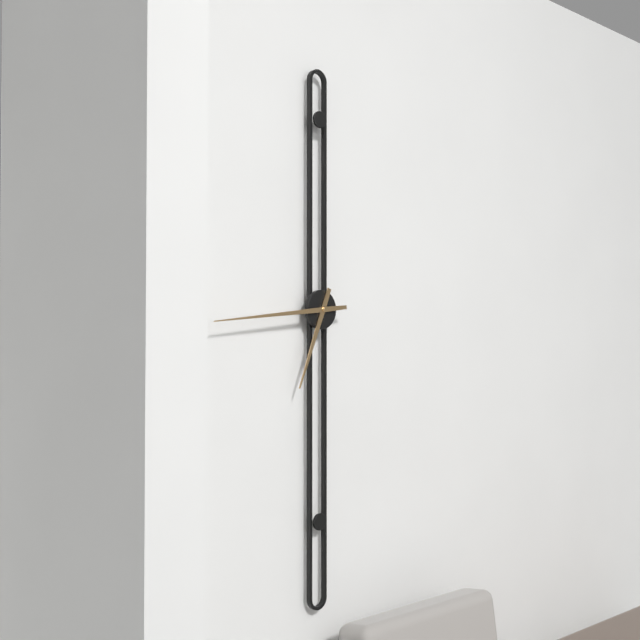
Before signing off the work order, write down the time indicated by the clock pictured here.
6:44
